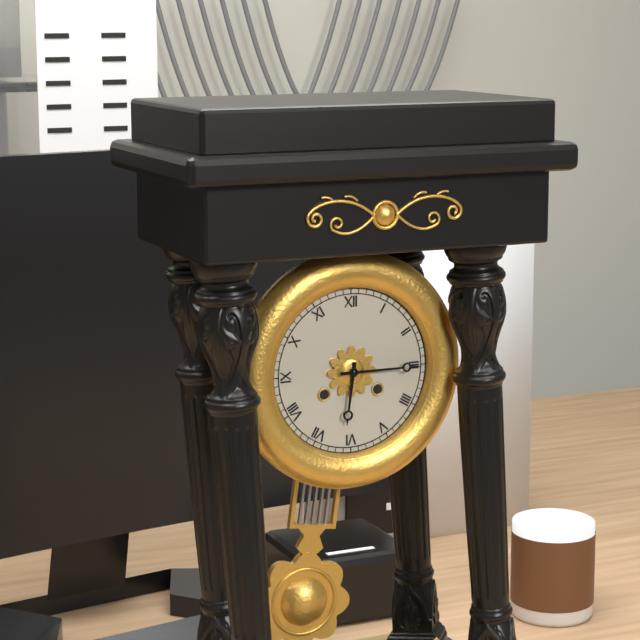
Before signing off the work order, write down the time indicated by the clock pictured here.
6:15
